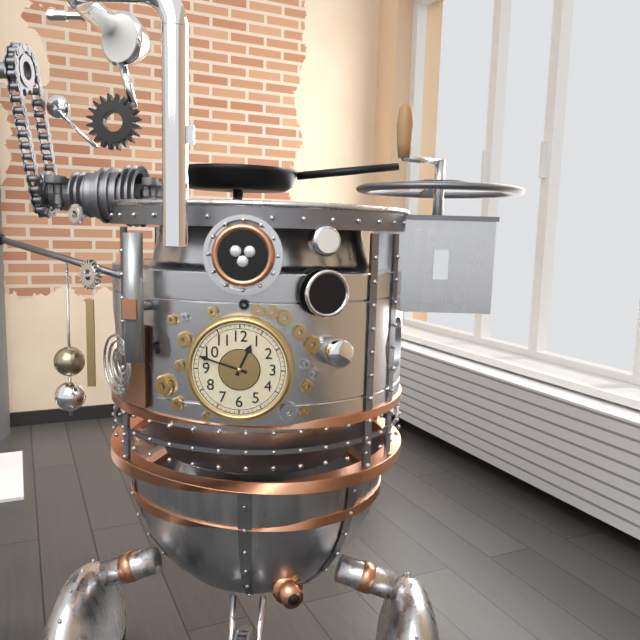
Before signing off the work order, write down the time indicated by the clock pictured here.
12:48
